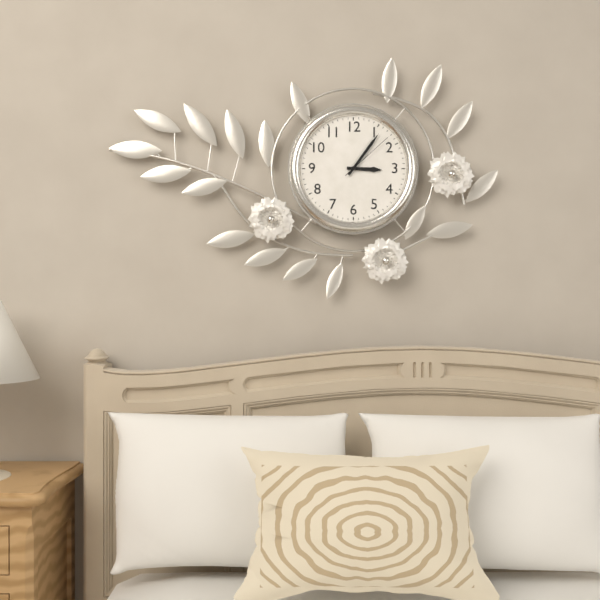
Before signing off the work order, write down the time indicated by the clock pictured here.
3:06:08
